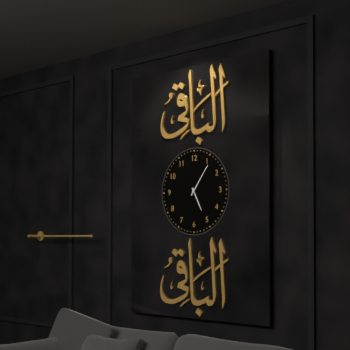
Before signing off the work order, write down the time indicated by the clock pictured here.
5:06
